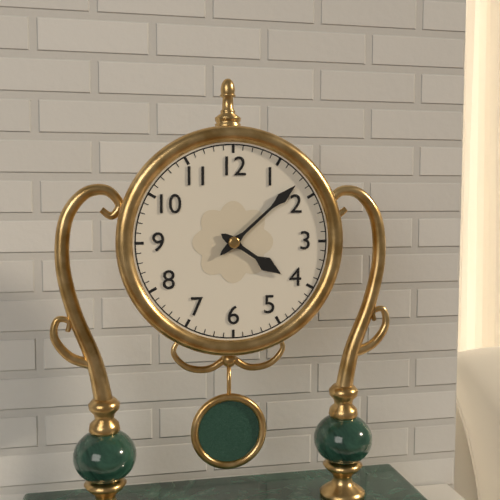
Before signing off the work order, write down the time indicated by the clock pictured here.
4:08
